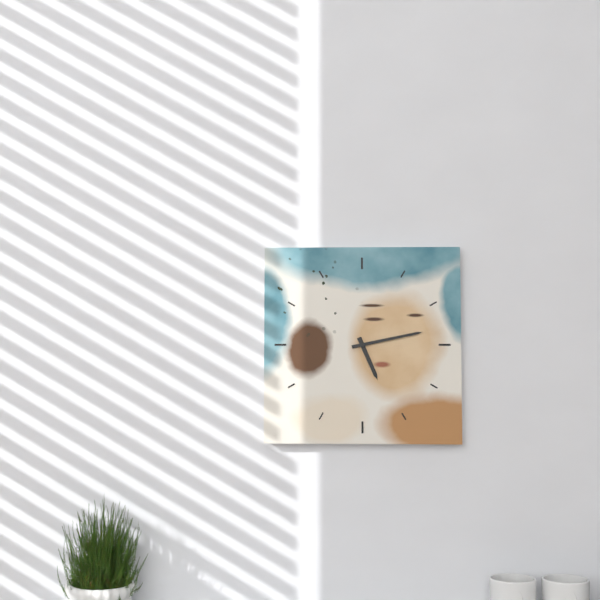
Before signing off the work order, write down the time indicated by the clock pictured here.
5:13
